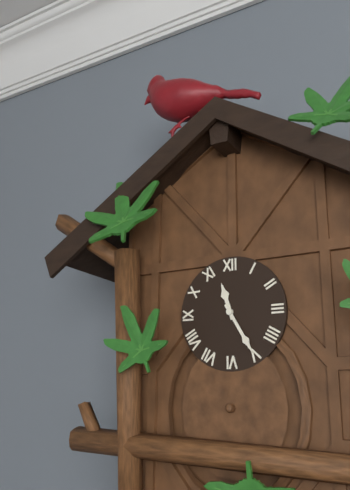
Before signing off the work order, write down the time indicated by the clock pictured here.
11:25
